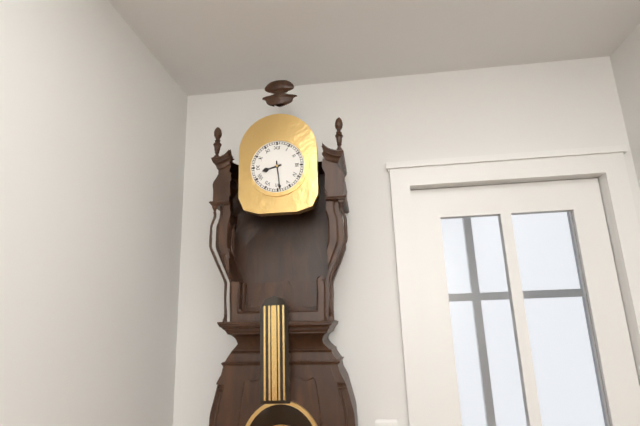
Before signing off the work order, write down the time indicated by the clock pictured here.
8:29
